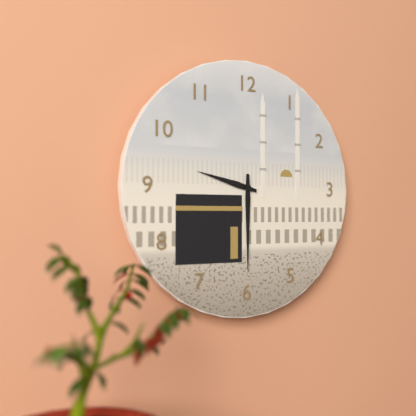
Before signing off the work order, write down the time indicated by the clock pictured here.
9:30
